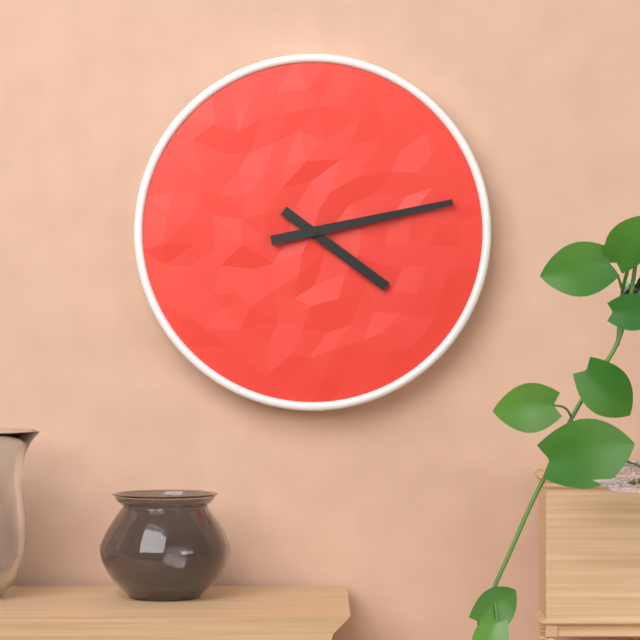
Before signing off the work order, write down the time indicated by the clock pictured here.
4:13
